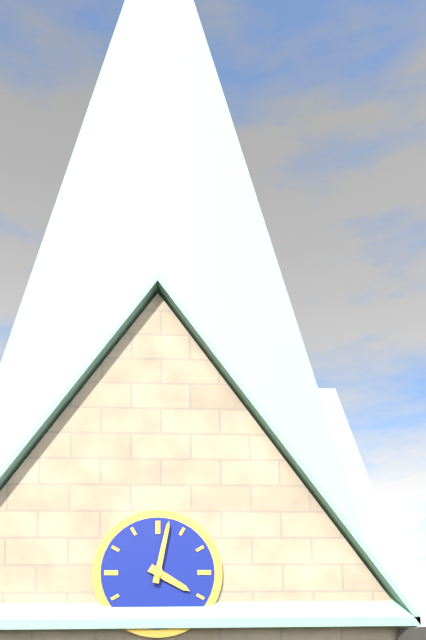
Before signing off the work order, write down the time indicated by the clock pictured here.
4:02
